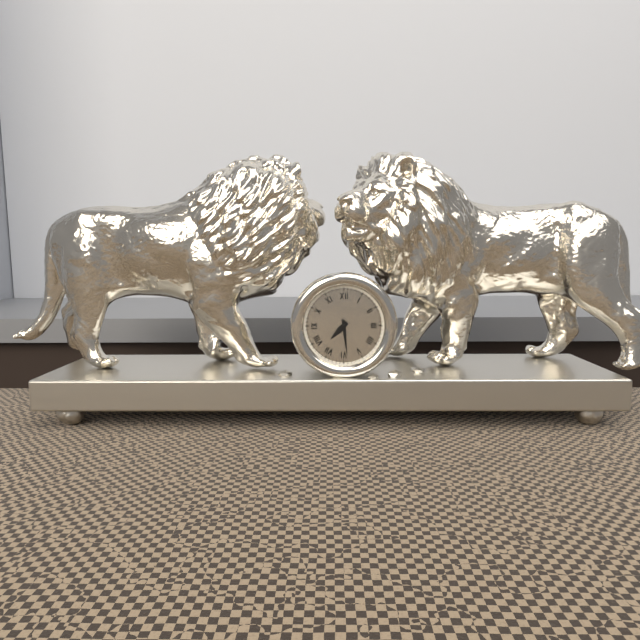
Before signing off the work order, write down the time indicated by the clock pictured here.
7:29
